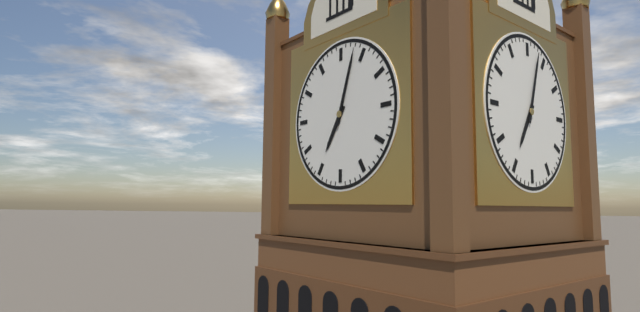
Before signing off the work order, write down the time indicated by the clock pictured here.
7:03
